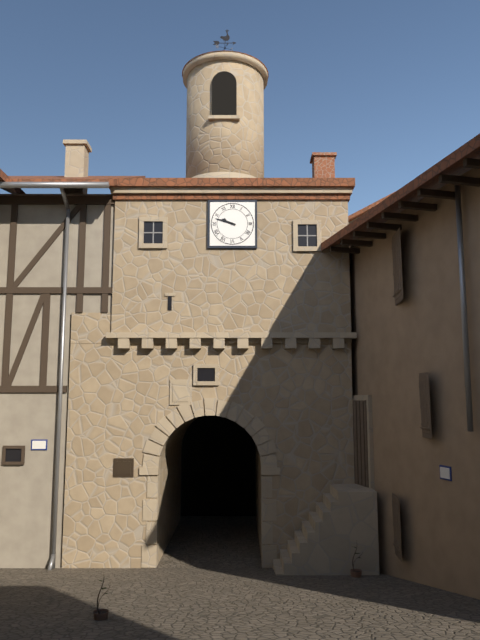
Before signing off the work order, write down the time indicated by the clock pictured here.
9:48
